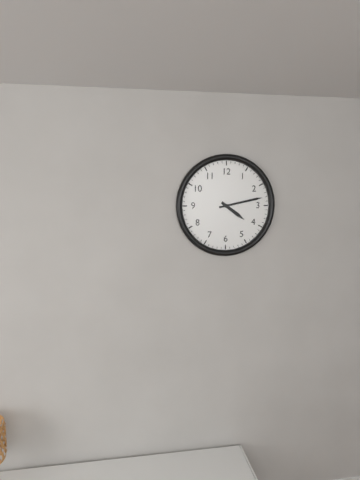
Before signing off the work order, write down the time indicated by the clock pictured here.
4:13
